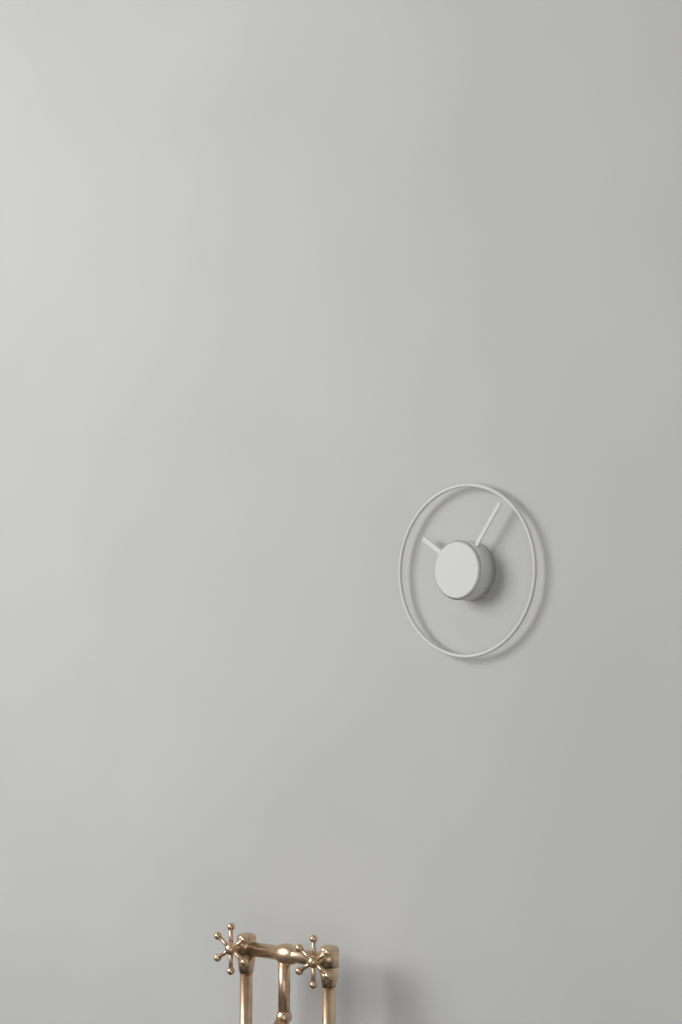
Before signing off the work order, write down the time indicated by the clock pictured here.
10:06
